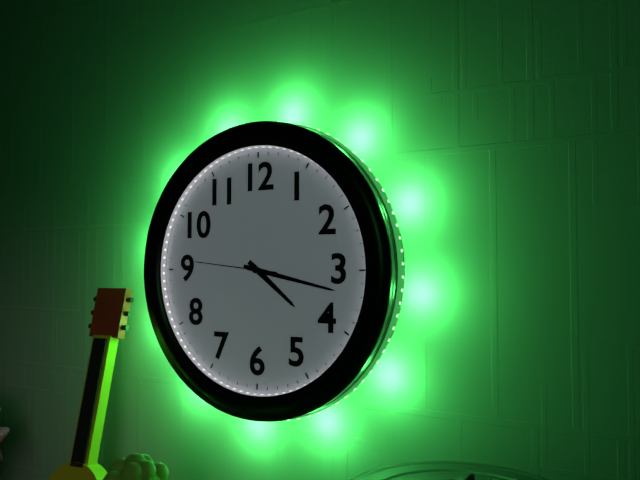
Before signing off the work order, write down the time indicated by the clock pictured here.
4:17:46
